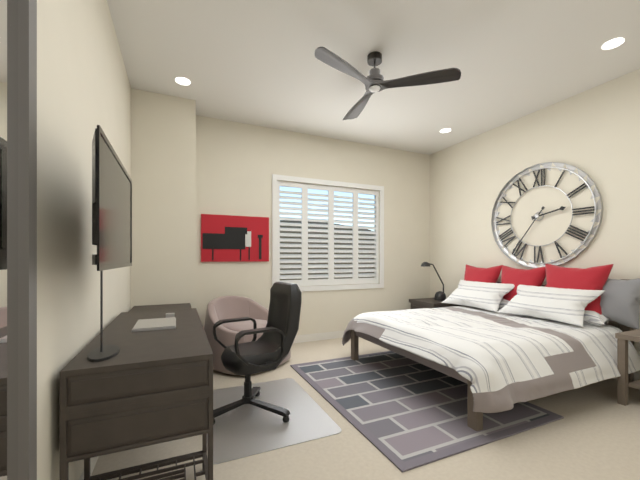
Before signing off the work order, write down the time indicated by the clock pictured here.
2:36
